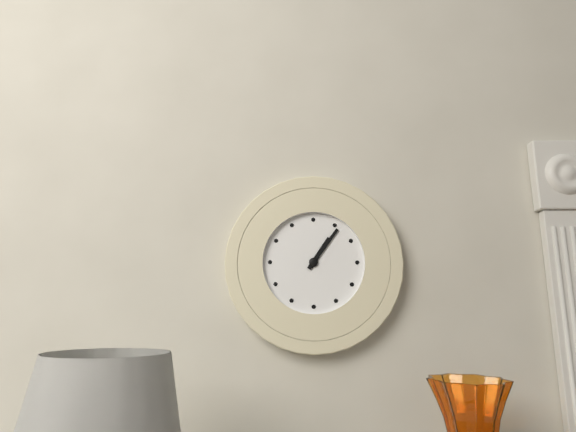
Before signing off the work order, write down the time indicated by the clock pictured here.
1:06
